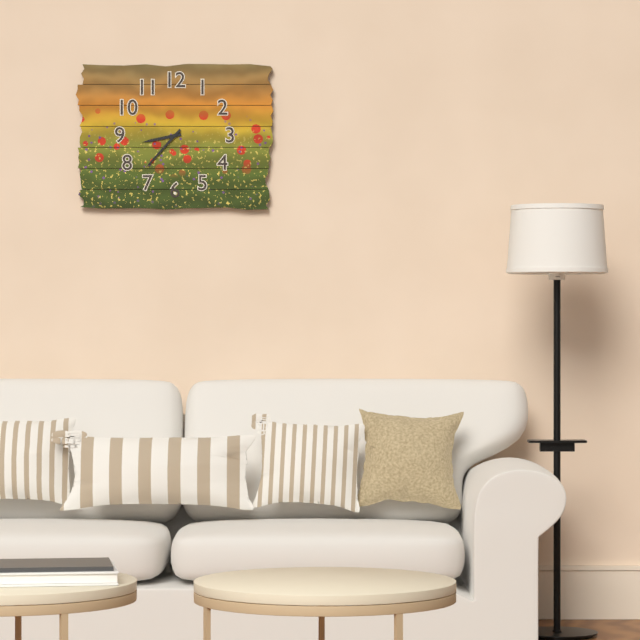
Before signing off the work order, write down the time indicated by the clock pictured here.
8:37
